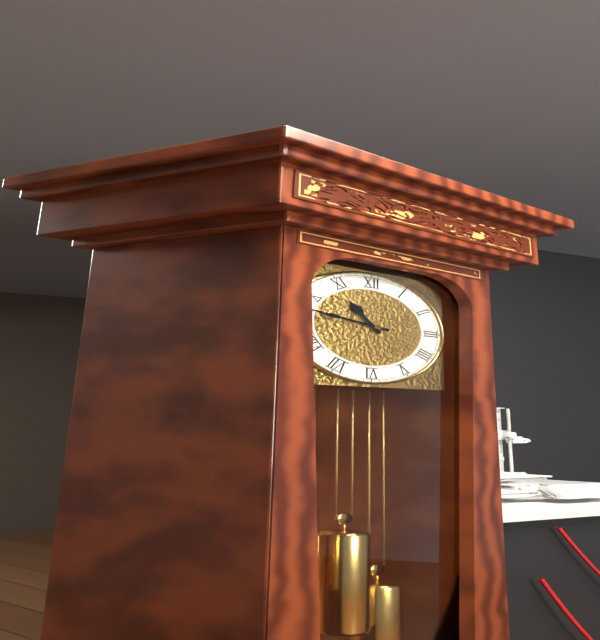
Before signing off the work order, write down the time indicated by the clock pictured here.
10:47
